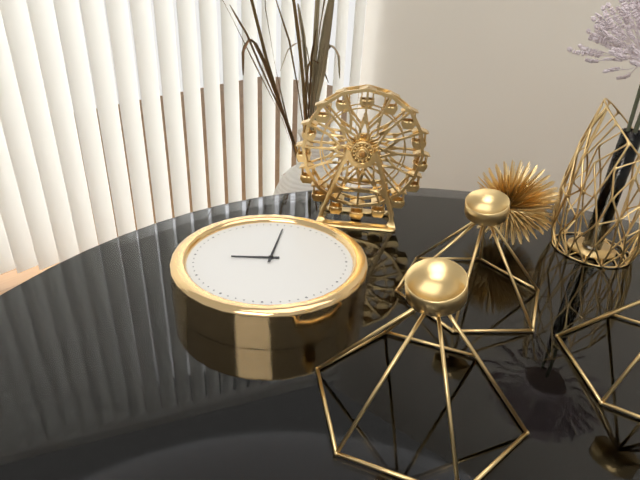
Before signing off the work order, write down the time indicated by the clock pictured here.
7:56
